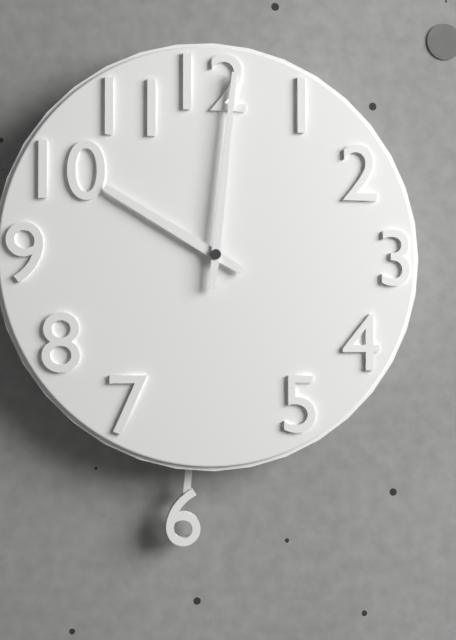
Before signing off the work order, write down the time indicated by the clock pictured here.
10:01
